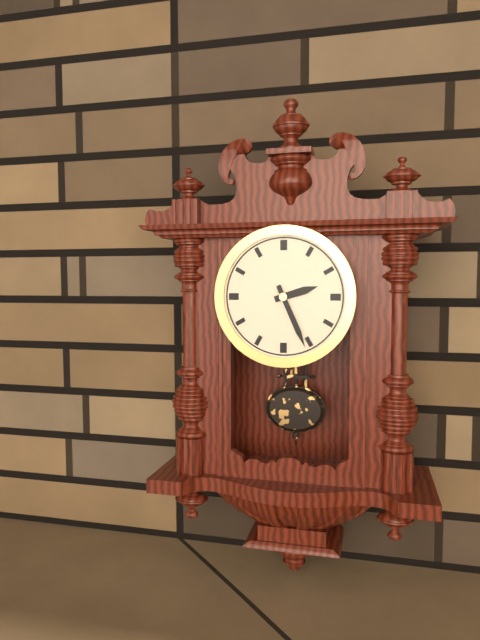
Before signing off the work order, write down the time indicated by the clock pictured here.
2:26
